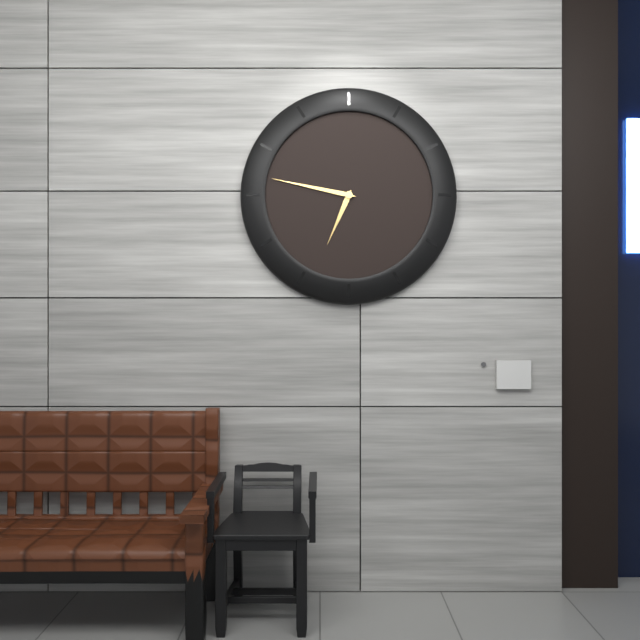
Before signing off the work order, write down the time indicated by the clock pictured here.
6:47
